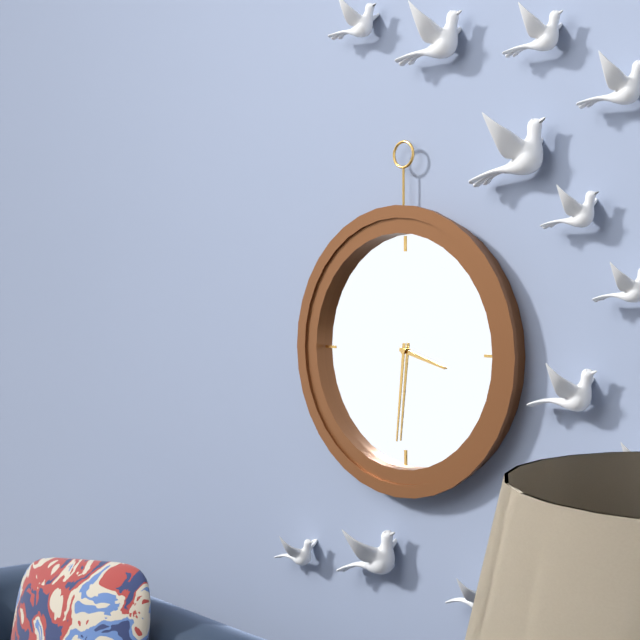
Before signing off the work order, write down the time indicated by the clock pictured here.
3:31
